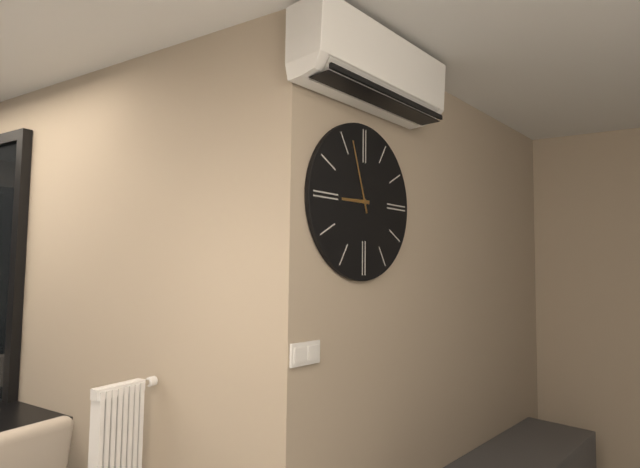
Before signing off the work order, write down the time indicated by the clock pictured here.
8:57
